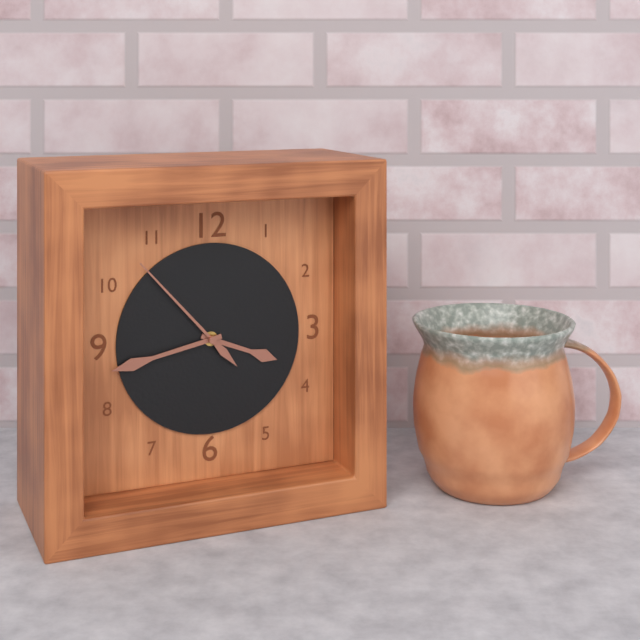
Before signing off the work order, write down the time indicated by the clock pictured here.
3:43:53
